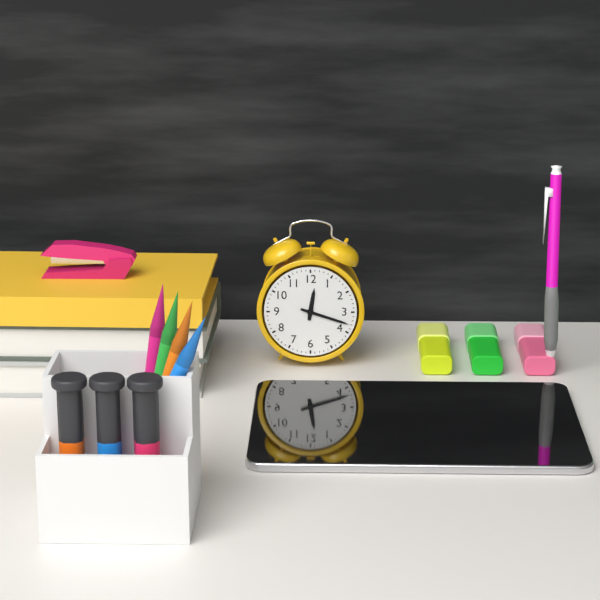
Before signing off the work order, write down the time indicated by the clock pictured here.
12:18
